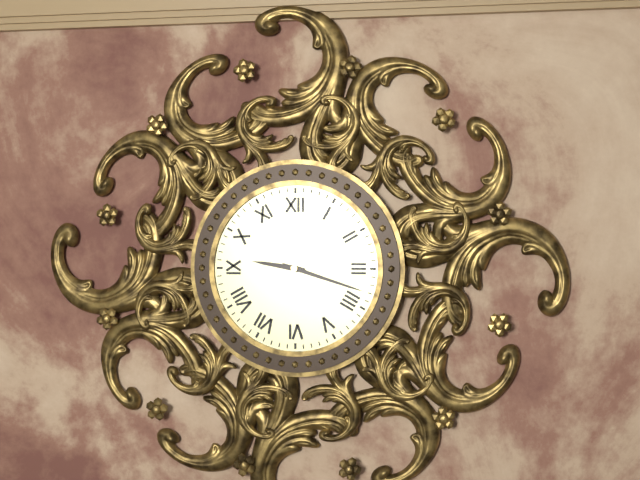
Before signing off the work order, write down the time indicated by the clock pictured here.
9:18
